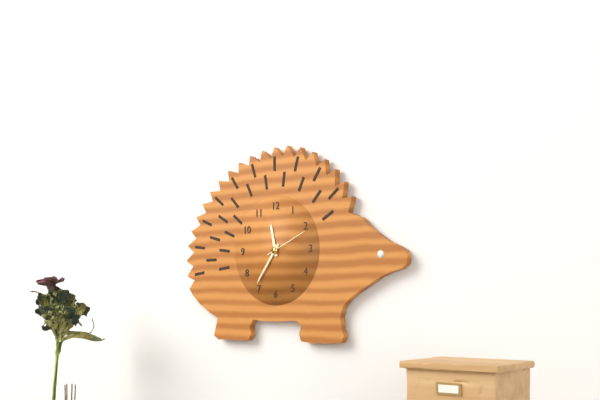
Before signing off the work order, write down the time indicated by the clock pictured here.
11:36
